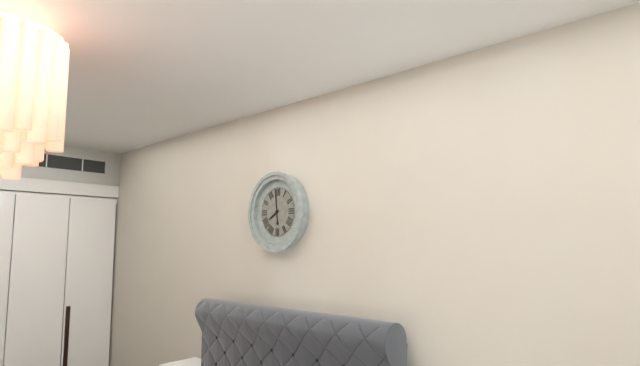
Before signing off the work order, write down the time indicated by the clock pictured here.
7:59
